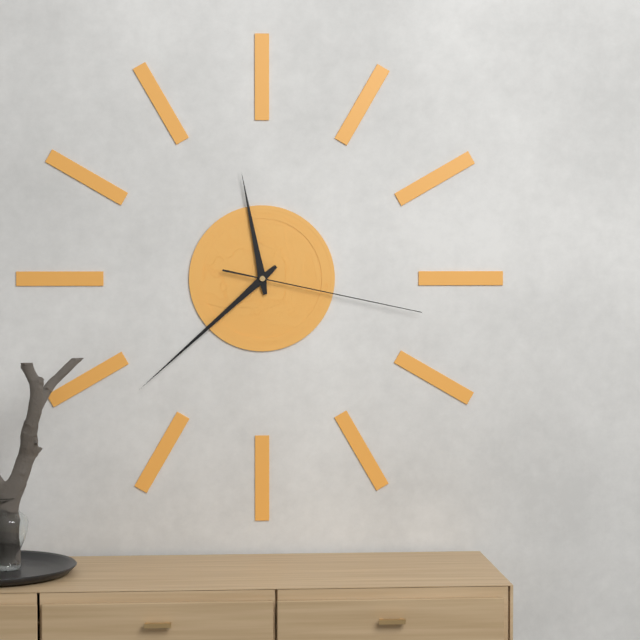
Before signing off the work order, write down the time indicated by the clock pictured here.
11:38:17
